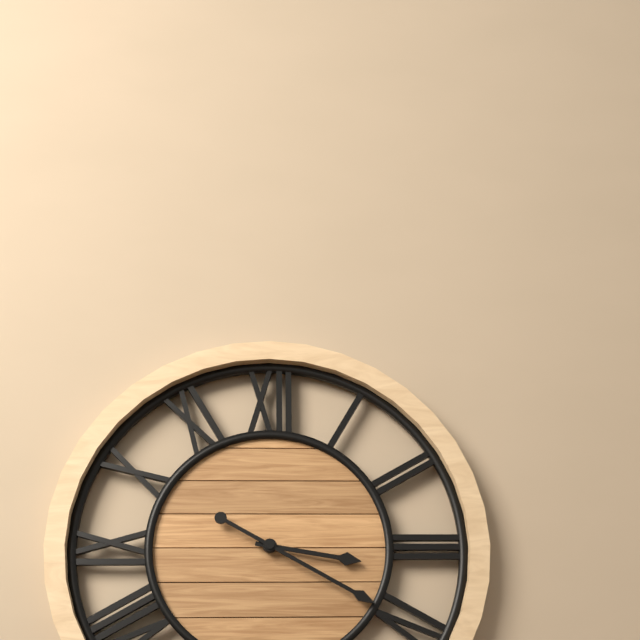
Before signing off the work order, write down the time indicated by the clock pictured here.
3:20
